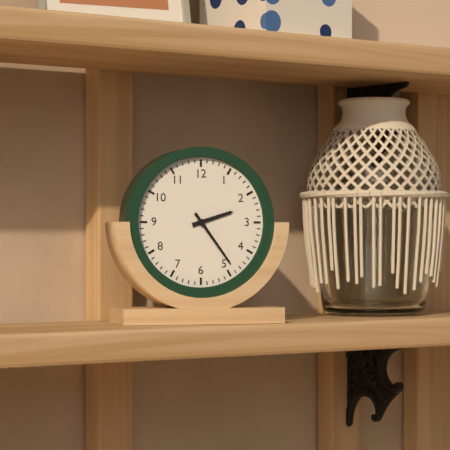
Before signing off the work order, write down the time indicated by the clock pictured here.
2:24
